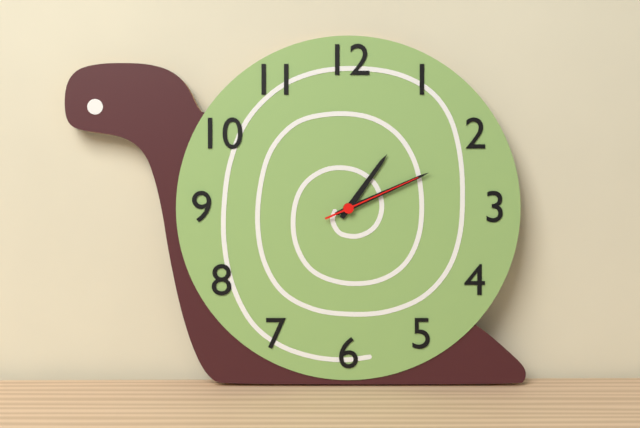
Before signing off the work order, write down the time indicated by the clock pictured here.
1:11:11
